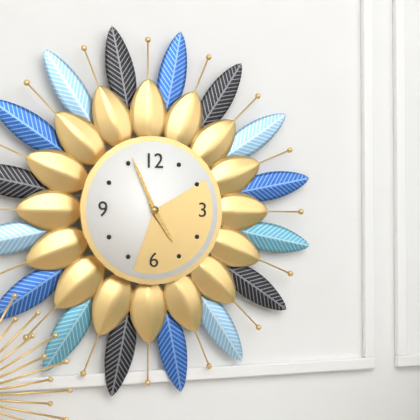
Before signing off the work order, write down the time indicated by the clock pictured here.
4:56
